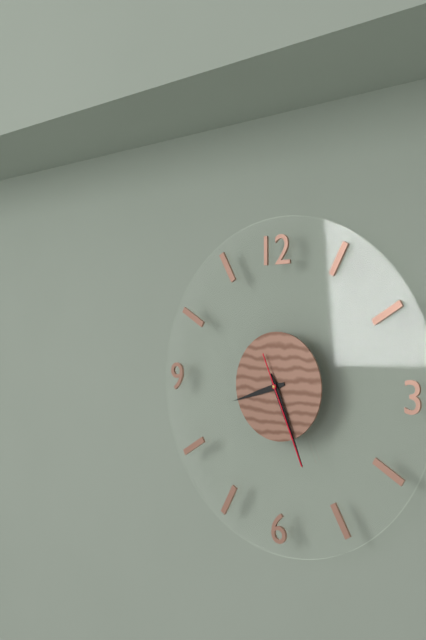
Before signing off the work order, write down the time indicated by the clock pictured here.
8:26:26
